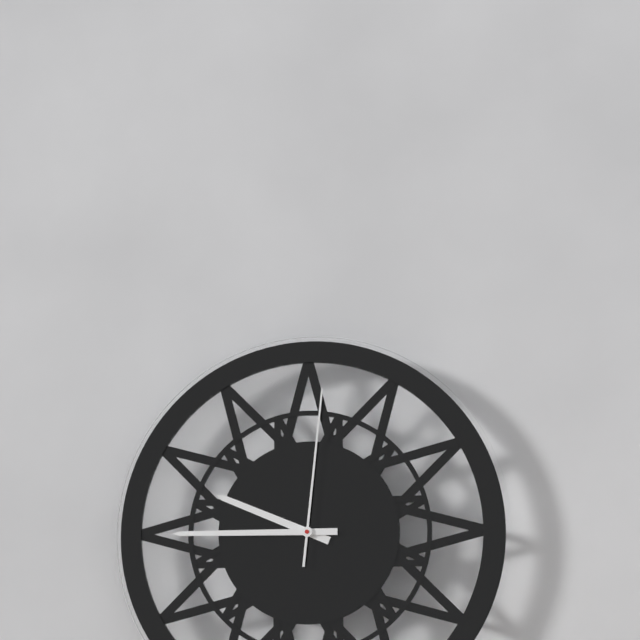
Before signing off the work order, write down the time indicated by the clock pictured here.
9:45:01
